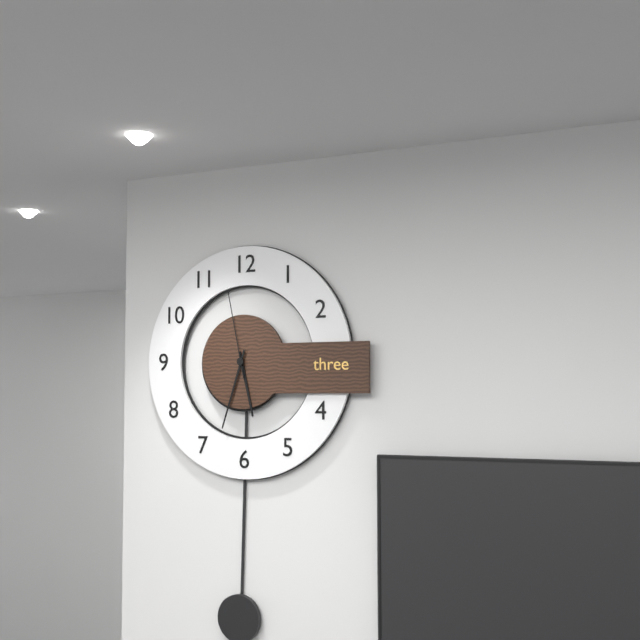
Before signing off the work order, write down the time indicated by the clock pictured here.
5:33:58
